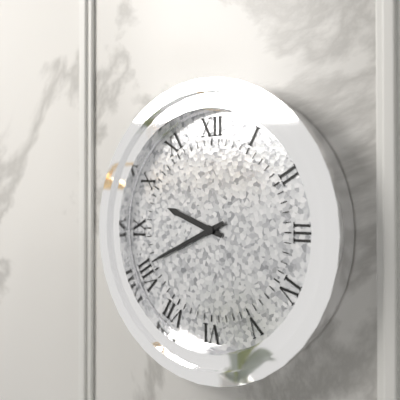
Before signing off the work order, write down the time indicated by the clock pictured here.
9:41
